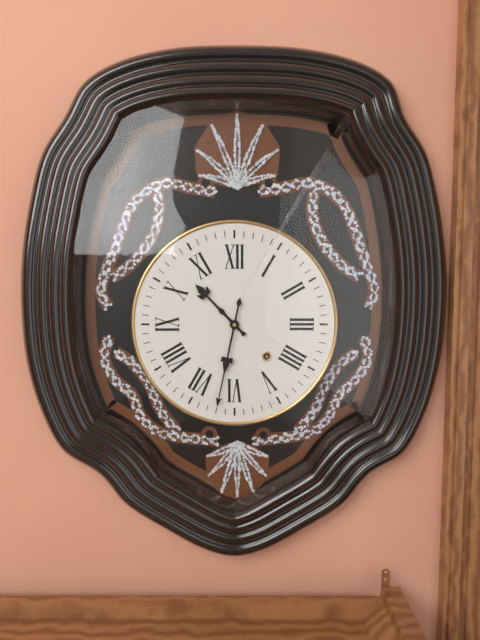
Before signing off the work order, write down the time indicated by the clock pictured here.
10:32
